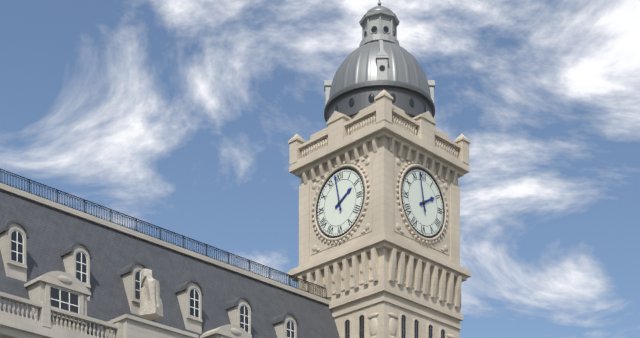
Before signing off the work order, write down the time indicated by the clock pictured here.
1:58
